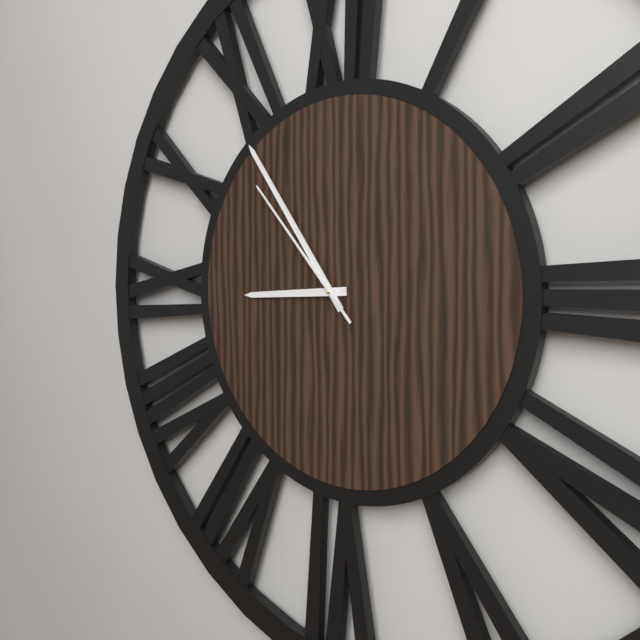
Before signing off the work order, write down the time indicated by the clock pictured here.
8:54:53
